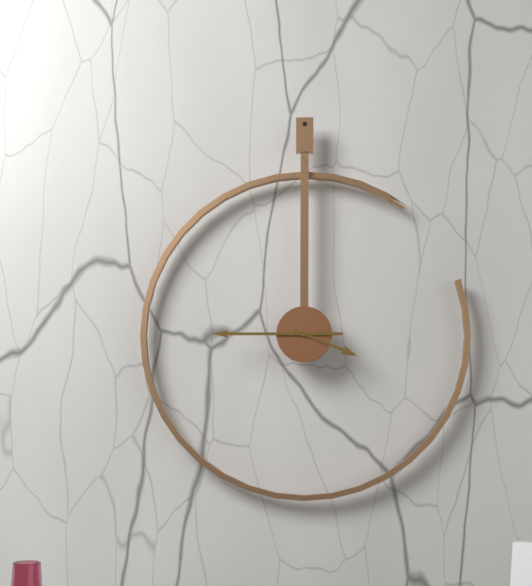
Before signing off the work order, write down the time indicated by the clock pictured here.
3:45
